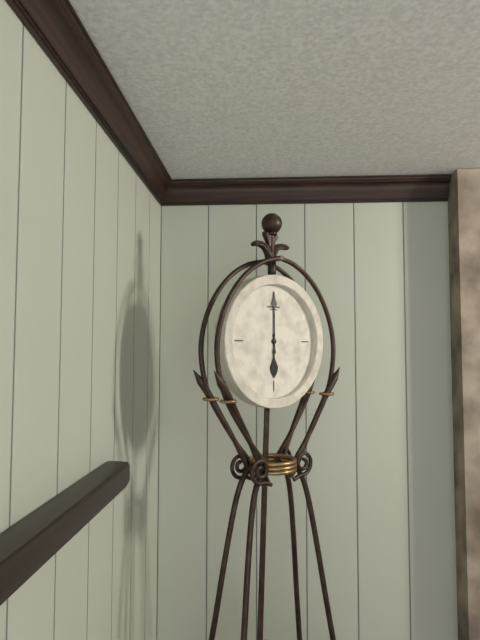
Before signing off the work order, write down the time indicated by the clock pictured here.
6:00
